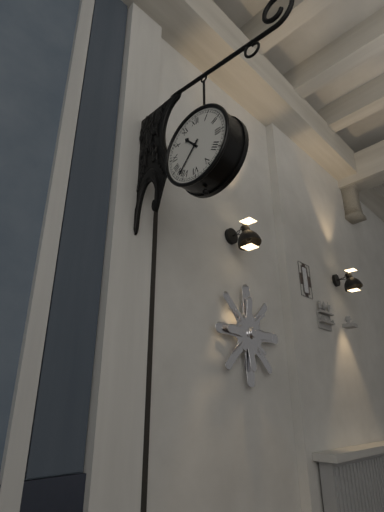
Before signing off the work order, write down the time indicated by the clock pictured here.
10:37
